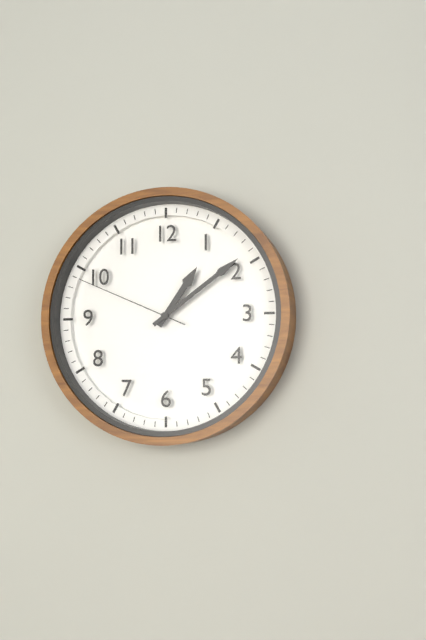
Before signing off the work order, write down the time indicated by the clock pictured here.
1:09:49
